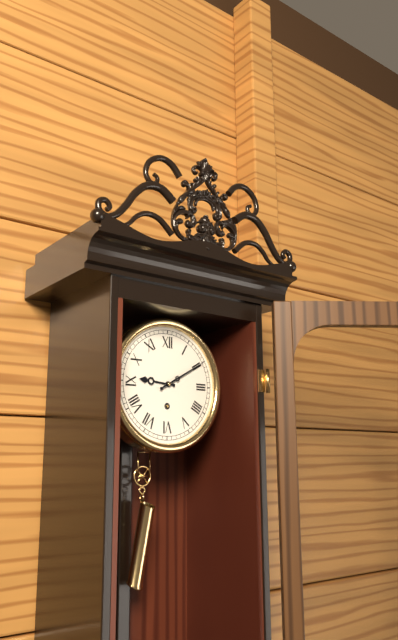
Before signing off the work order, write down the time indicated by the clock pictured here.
9:10
